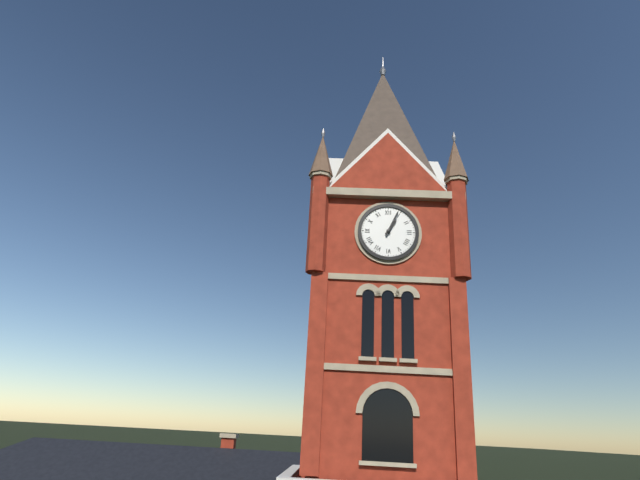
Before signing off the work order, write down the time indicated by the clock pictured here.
1:04
